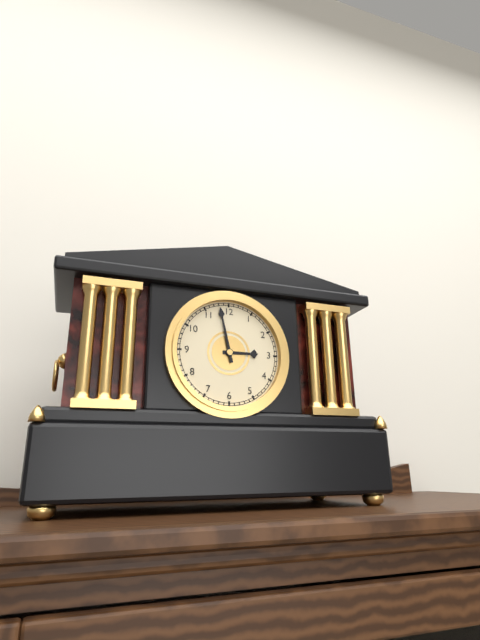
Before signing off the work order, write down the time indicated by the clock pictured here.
2:58
